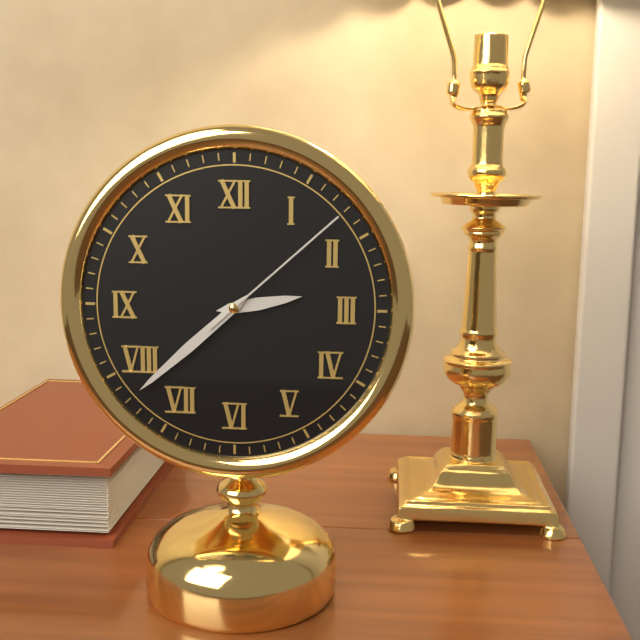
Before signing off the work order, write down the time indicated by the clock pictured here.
2:38:08
